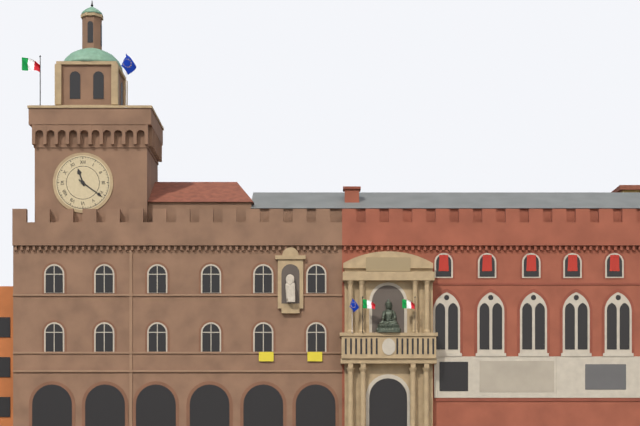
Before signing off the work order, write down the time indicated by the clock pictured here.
11:21
